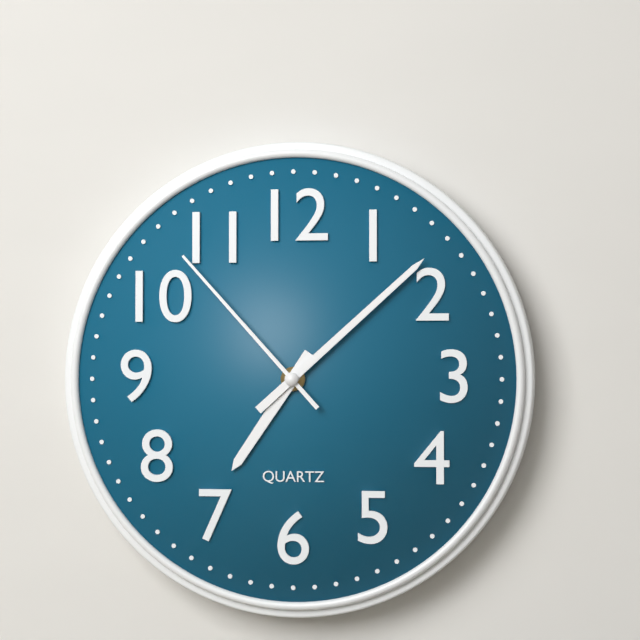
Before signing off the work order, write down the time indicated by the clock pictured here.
7:08:53
